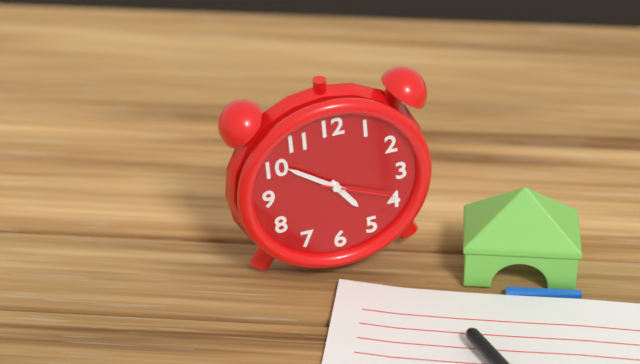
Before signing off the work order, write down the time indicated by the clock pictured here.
4:51:19
